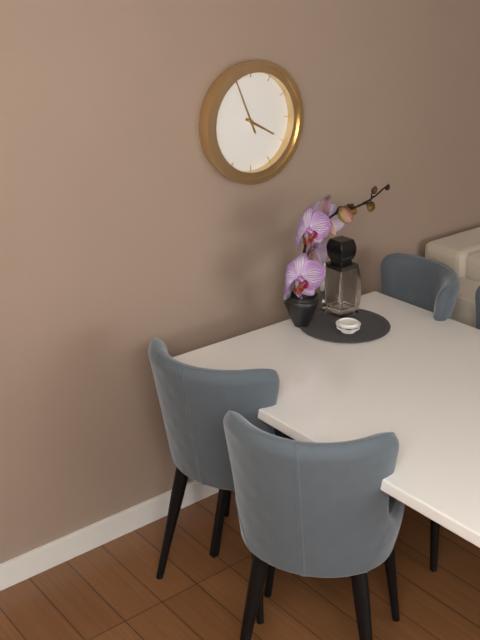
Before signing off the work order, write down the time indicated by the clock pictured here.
3:56
